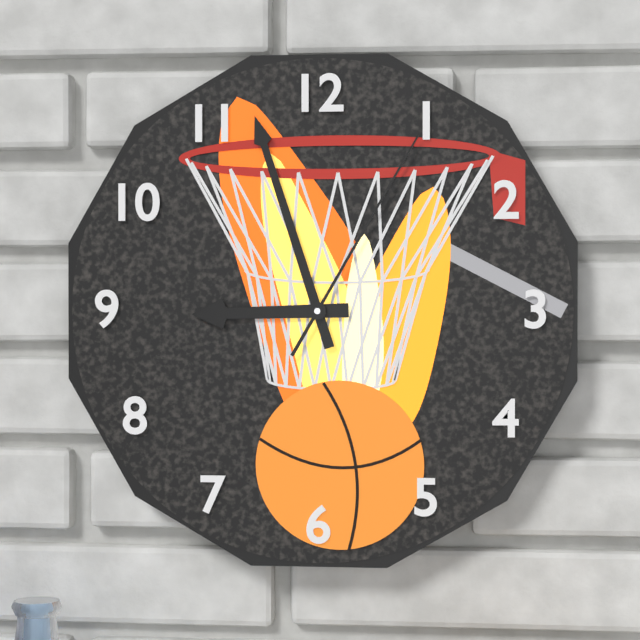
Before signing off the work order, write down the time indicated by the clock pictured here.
8:57:05
